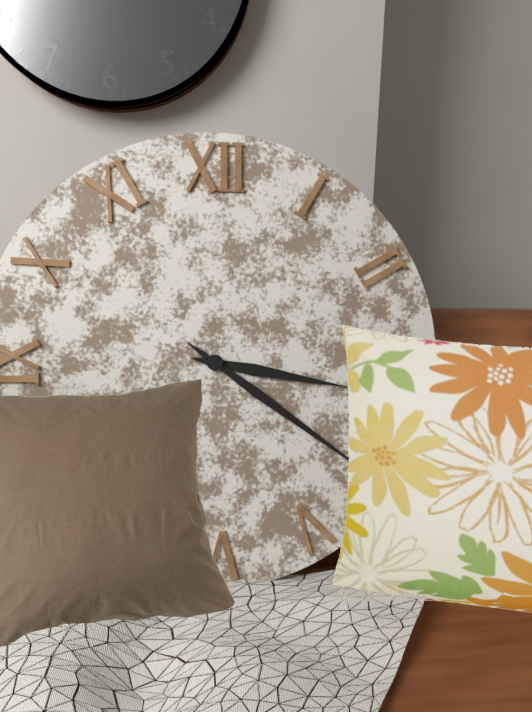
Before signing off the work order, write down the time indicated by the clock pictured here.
3:21
